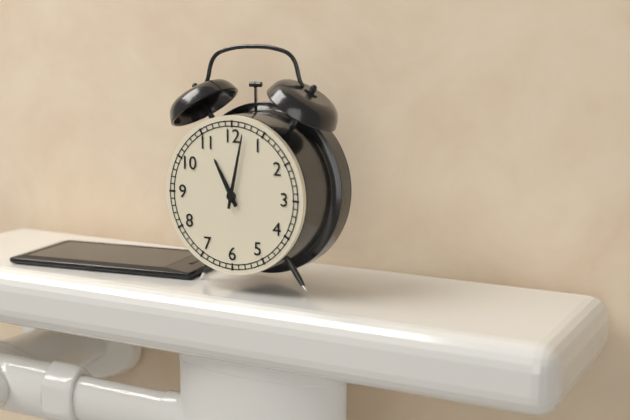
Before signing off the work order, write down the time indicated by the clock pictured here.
11:02
